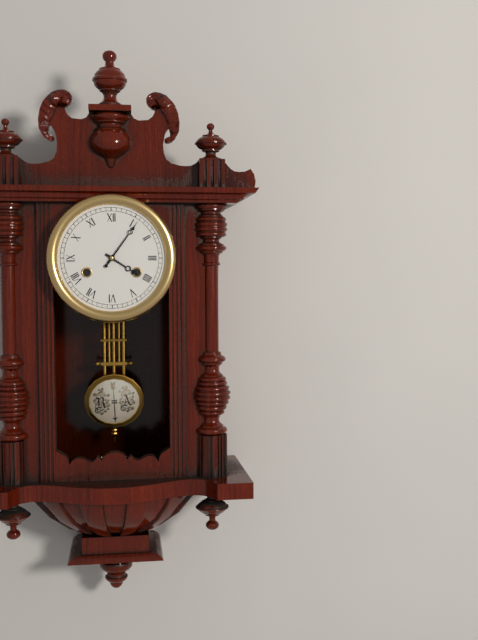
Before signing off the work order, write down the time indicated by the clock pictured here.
4:06
